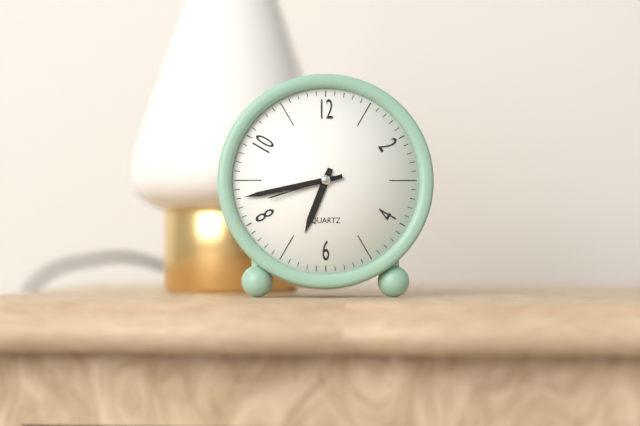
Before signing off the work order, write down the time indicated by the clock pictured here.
6:43:42
